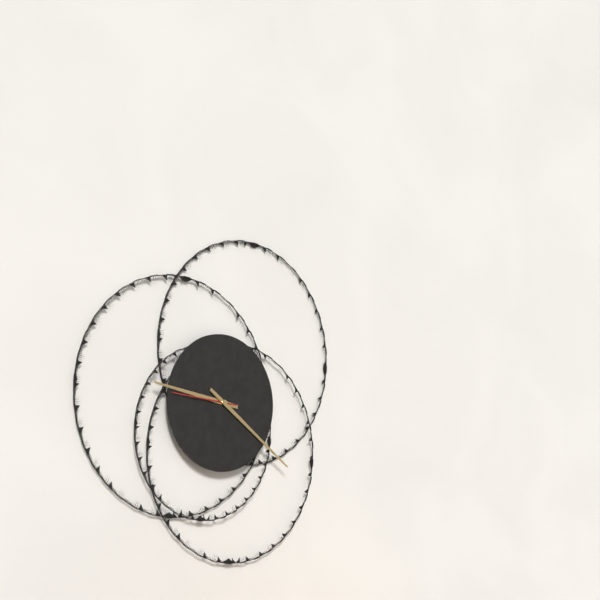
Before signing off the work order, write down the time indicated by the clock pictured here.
9:21:46
